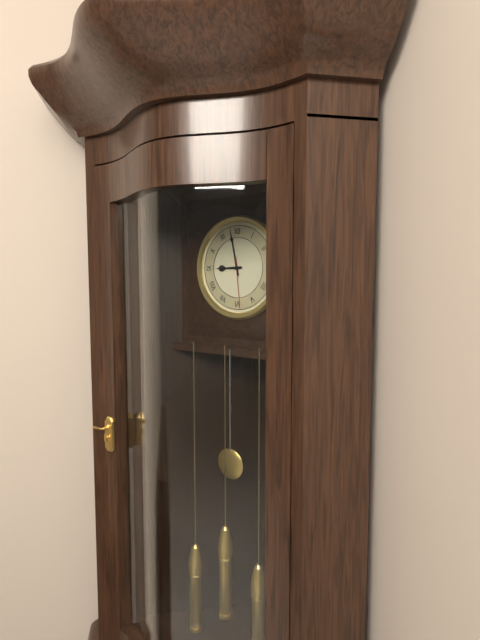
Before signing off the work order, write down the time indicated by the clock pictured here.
8:58:29
